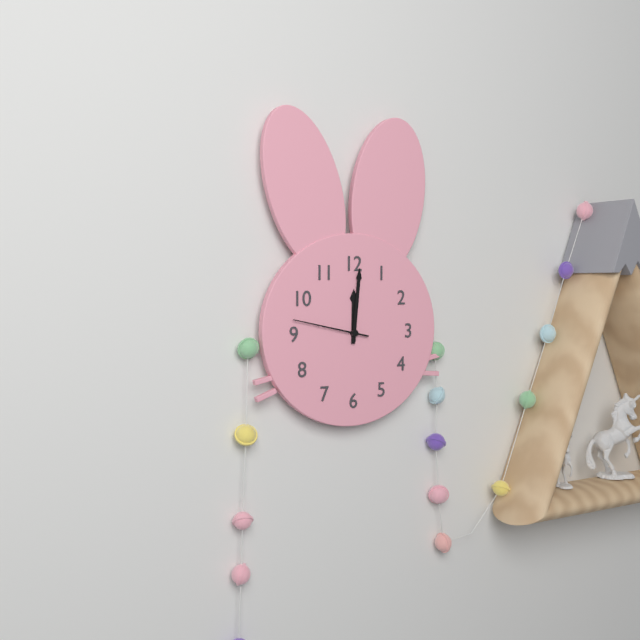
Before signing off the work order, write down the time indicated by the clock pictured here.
12:01:47
